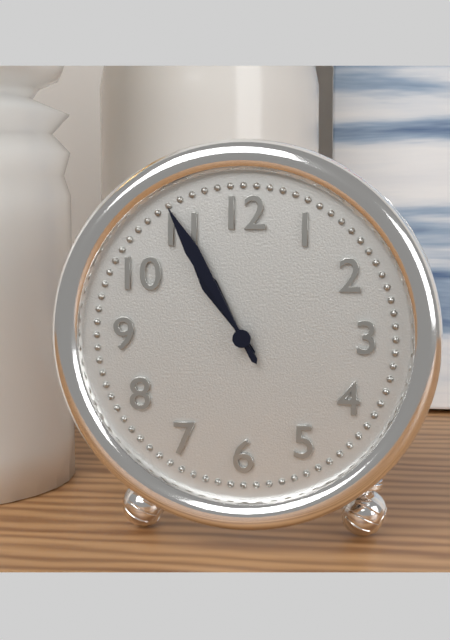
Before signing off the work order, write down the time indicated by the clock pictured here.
10:55
